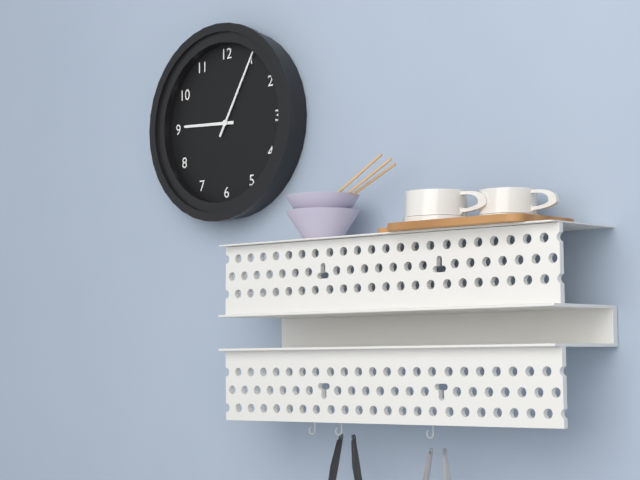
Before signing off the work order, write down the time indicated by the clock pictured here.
9:05
